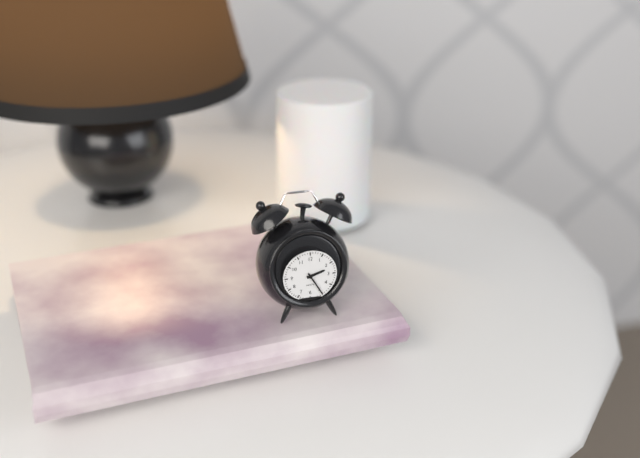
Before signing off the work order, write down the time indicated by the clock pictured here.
2:25
